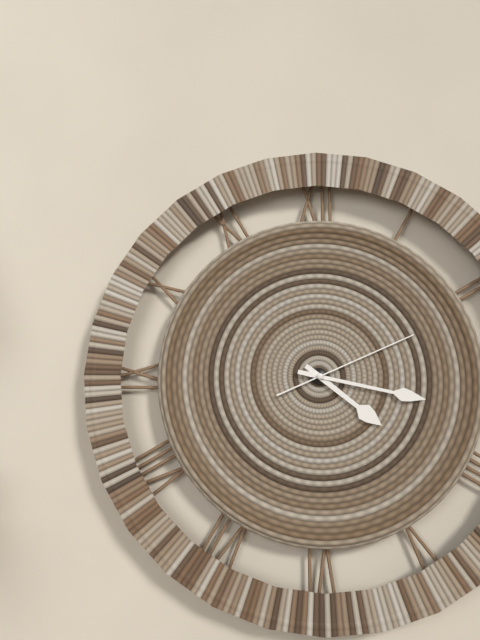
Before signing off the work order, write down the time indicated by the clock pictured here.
4:17:11
